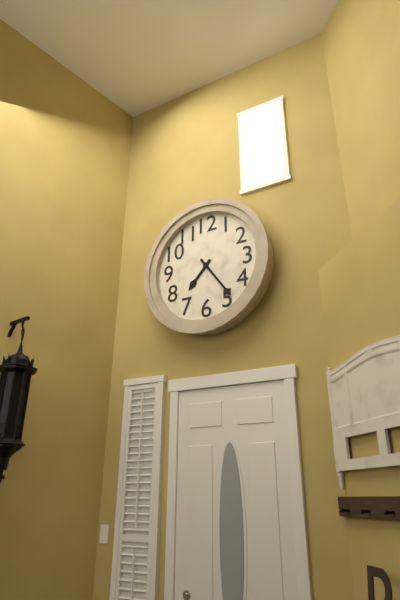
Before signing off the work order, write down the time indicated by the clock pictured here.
7:24
